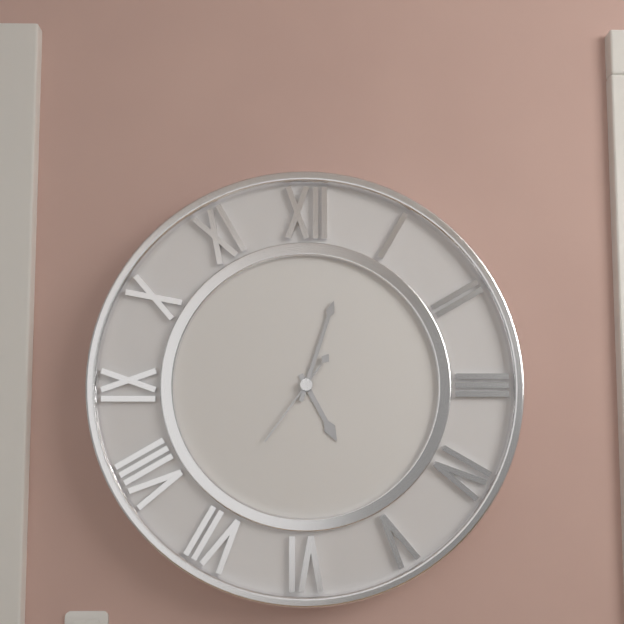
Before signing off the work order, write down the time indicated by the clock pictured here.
5:03:36
